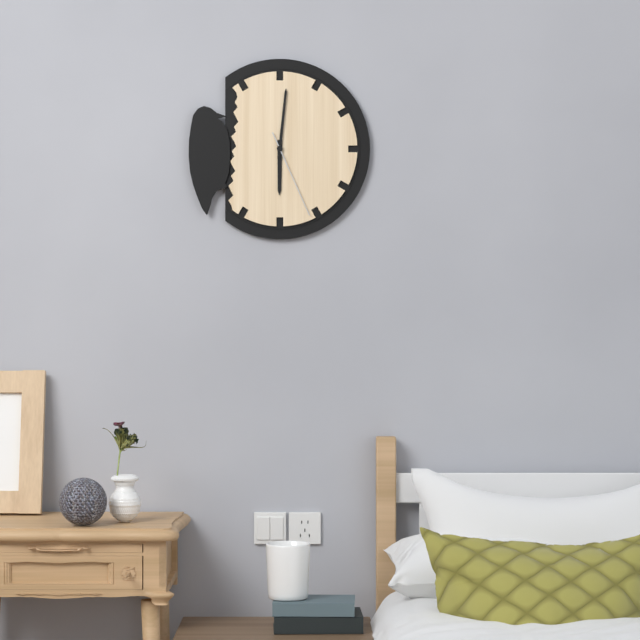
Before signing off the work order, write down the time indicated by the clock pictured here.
6:01:26
